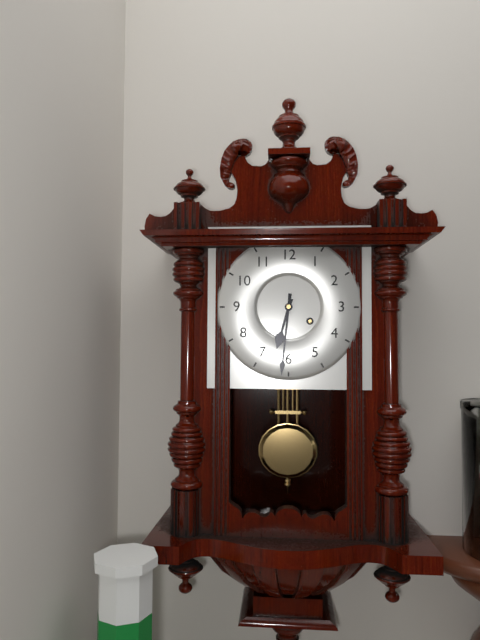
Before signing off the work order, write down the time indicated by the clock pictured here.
6:31
